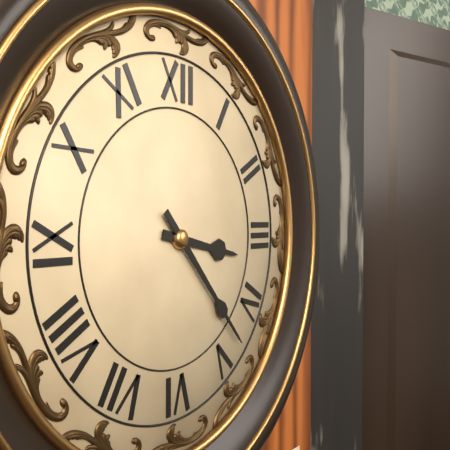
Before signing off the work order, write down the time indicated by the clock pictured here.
3:23
